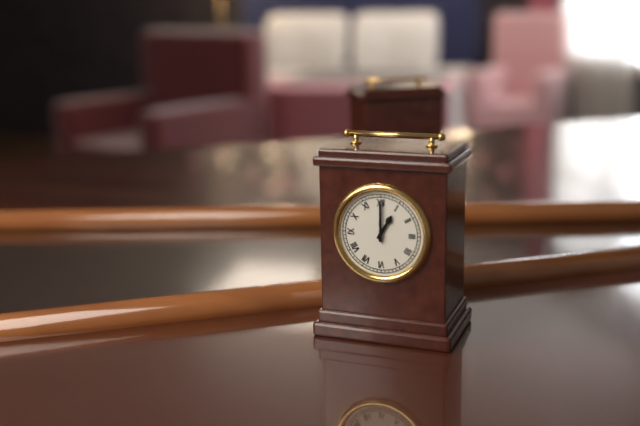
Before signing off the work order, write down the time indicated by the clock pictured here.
1:00
